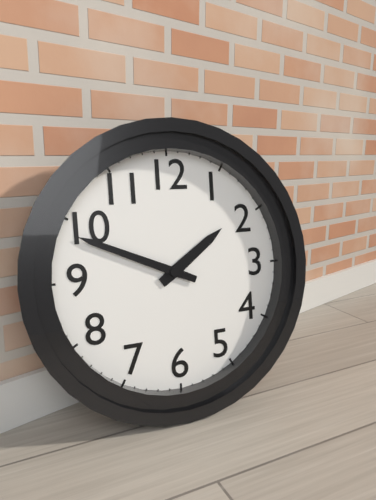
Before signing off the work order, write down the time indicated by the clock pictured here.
1:49
